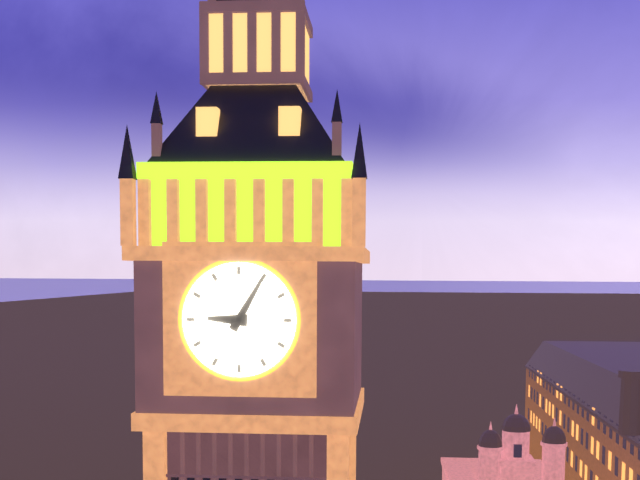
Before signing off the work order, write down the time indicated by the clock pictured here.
9:05
